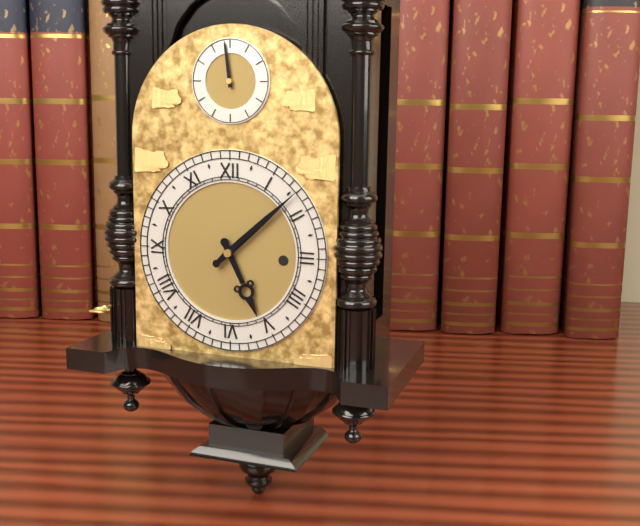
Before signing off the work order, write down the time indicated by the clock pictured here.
5:08
